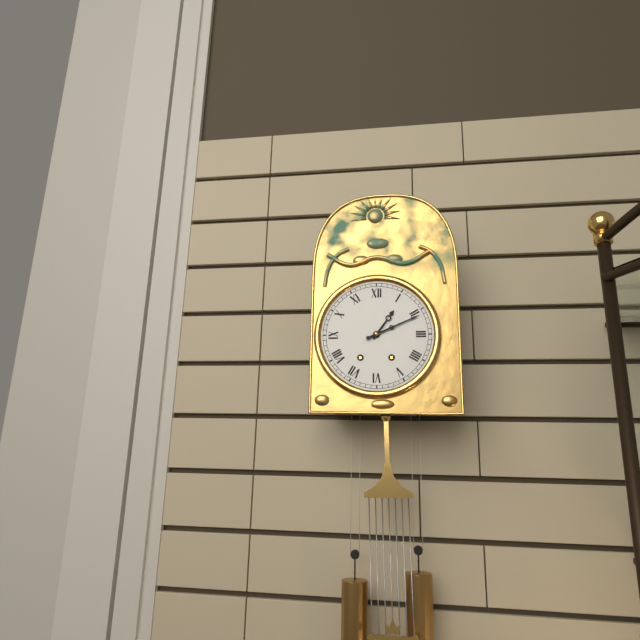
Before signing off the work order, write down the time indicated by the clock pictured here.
1:11
